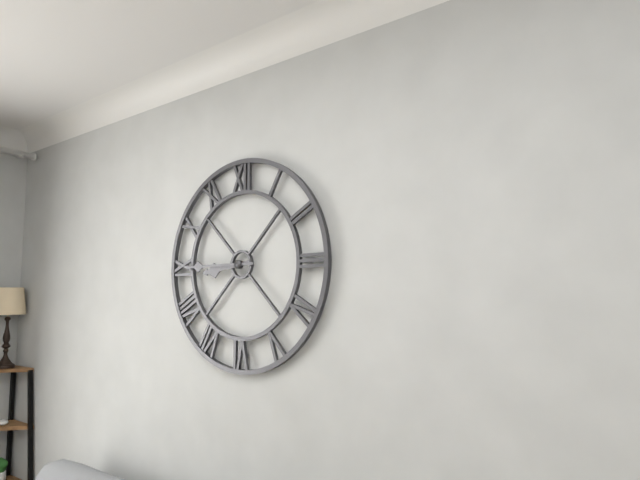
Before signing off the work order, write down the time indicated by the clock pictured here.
8:45
